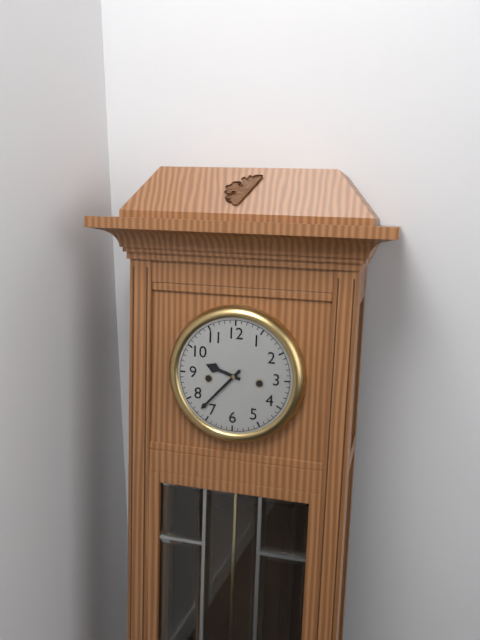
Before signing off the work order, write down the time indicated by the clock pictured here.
9:37
